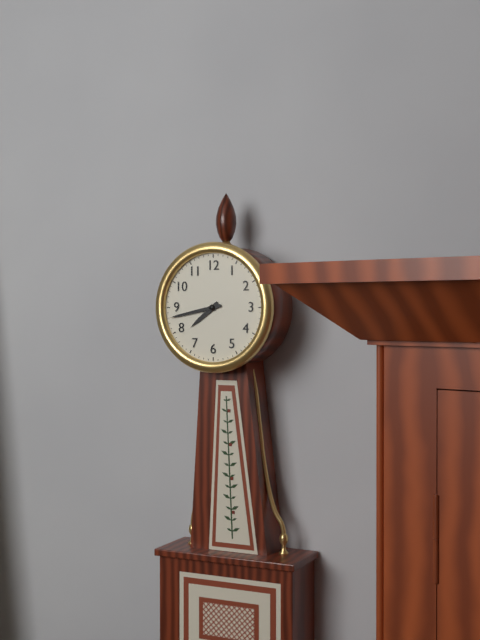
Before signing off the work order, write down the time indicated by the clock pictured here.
7:43
